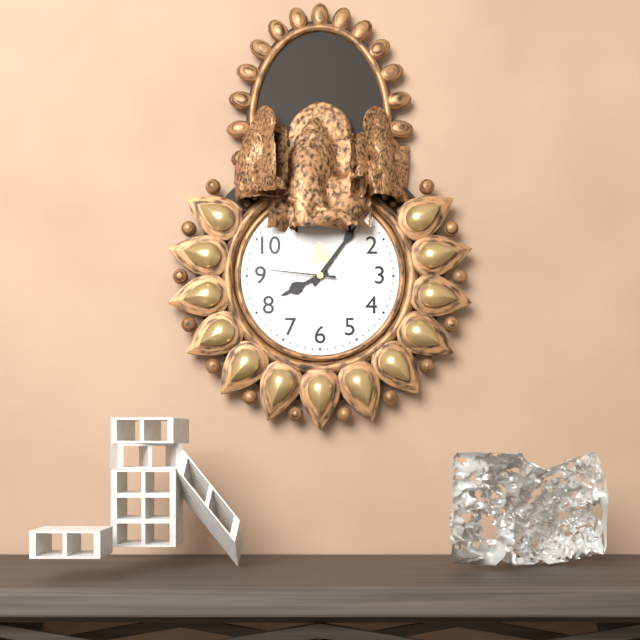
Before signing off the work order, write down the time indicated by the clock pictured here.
8:06:46
